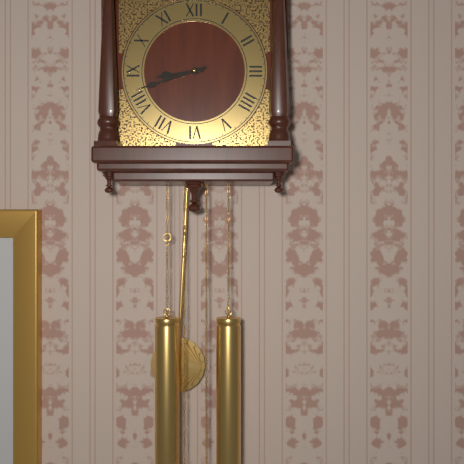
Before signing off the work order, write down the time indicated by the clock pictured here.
8:42
